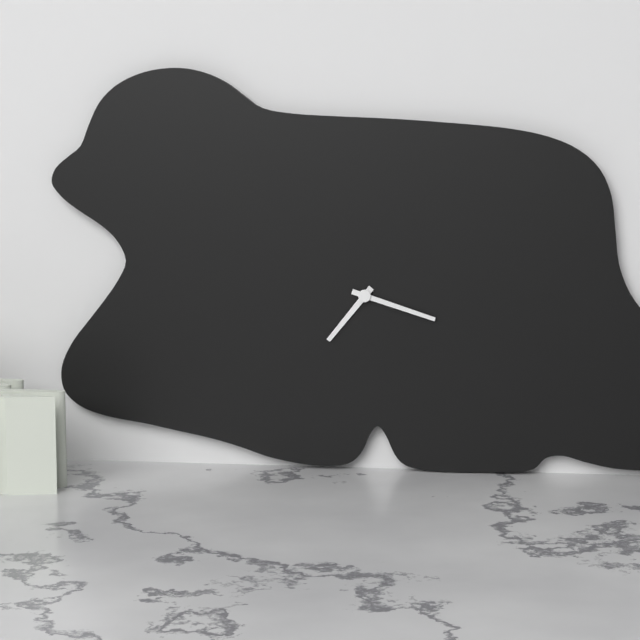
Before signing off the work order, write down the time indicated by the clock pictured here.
7:18
